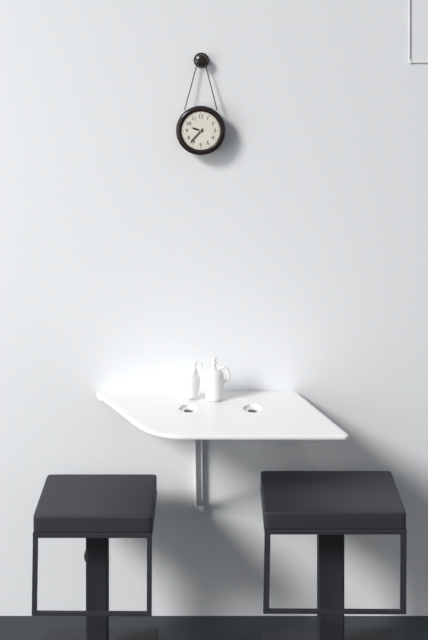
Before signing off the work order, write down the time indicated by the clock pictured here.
9:37
